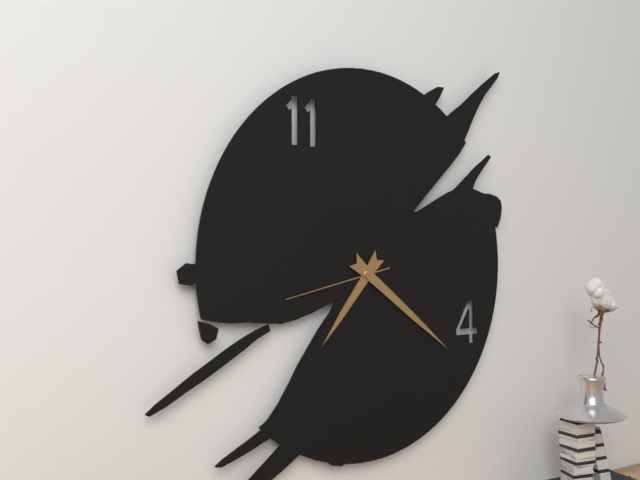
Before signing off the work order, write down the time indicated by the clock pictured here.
7:21:43
